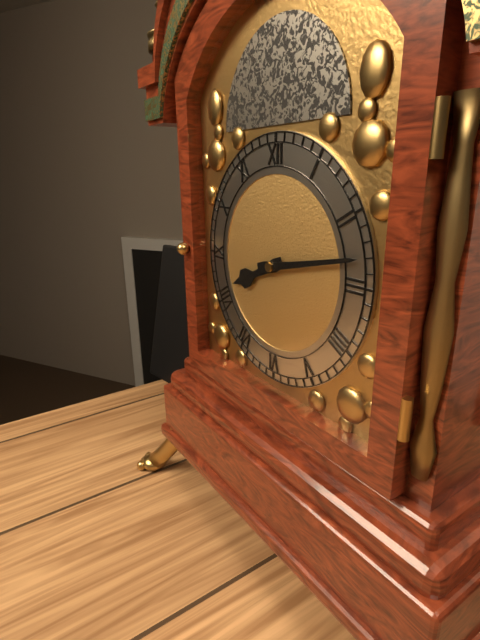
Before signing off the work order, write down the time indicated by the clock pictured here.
8:13
